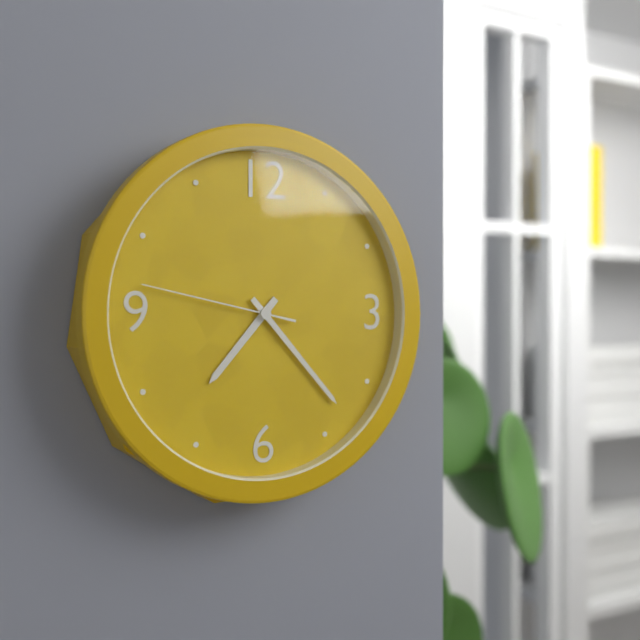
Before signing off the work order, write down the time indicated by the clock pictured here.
7:23:47
